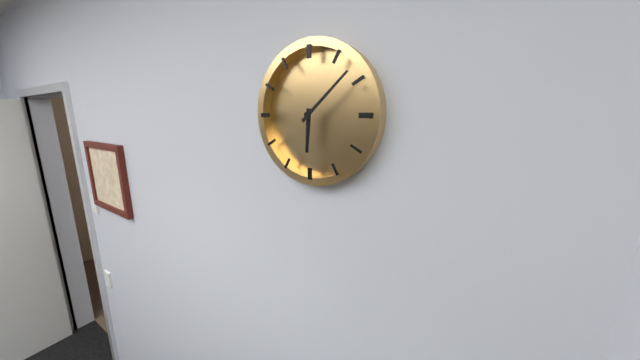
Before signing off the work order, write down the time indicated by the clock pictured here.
6:08
